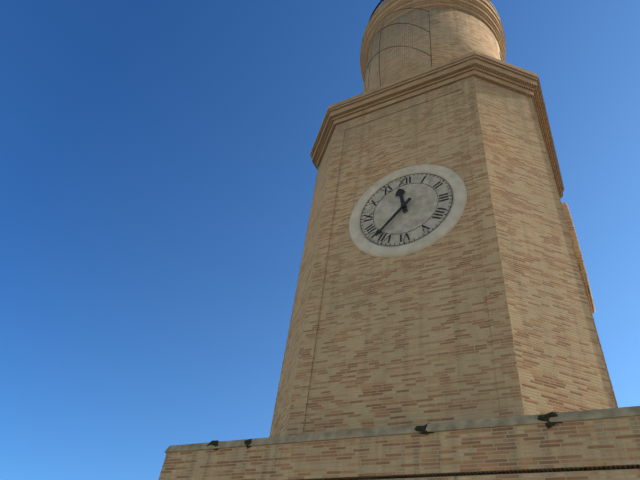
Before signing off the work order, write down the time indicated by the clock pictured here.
11:37
